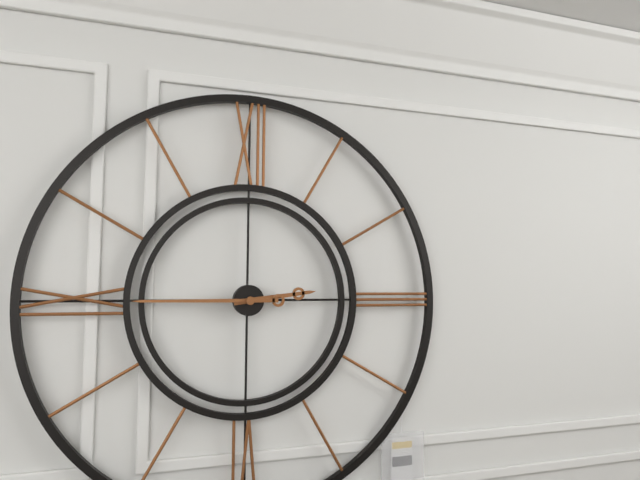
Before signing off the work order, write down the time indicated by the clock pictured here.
2:45
